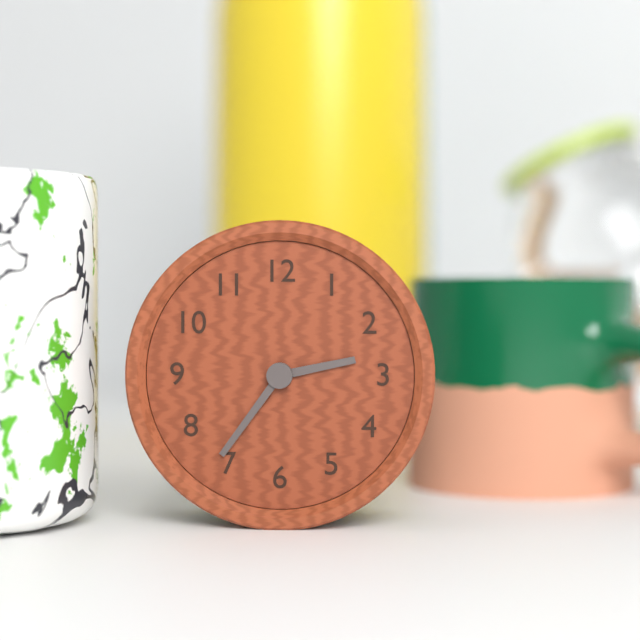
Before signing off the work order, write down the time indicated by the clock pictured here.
2:36
